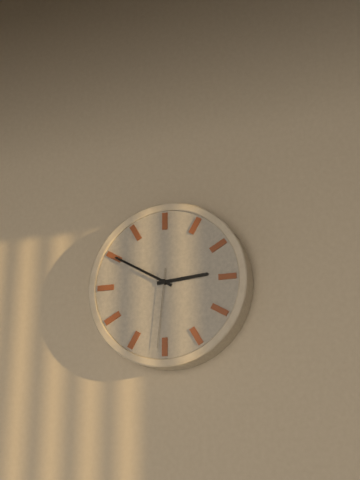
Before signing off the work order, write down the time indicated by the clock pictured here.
2:50:31
